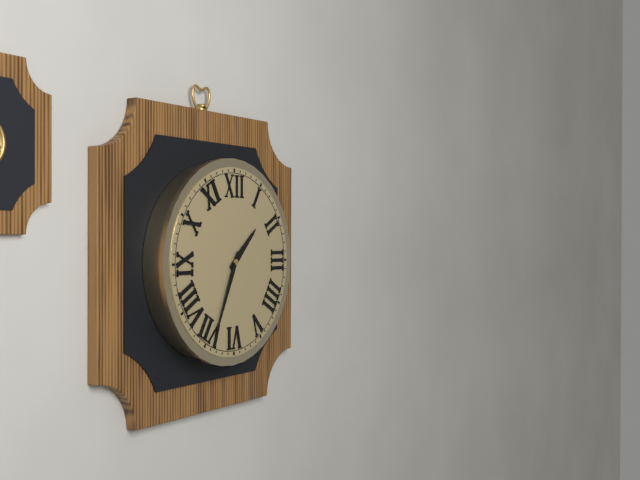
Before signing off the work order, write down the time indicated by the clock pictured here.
1:34
